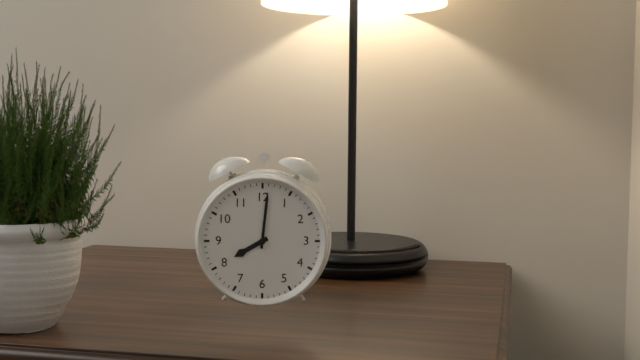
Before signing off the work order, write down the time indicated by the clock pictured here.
8:01
